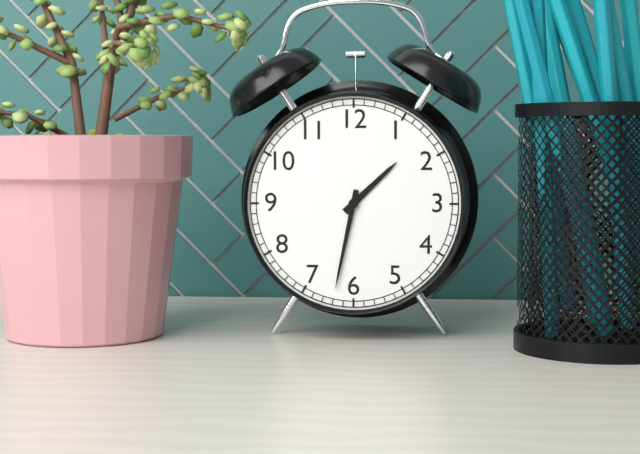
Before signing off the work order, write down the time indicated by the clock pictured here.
1:32
